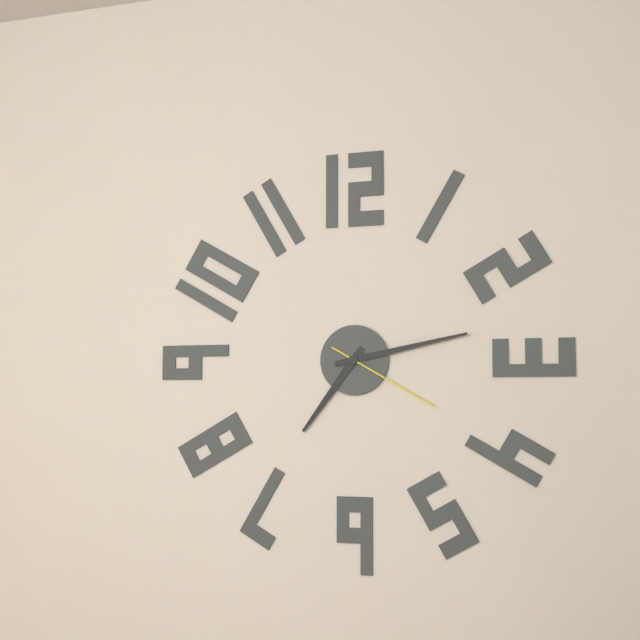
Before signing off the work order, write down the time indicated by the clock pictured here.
7:13:20
